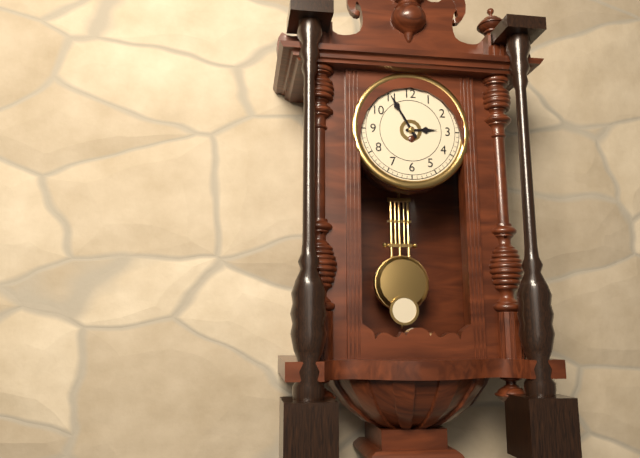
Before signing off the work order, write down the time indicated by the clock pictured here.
2:55
